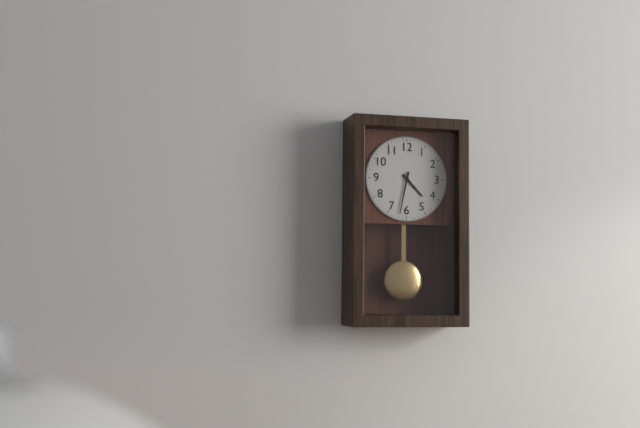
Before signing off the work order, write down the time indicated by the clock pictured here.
4:32
